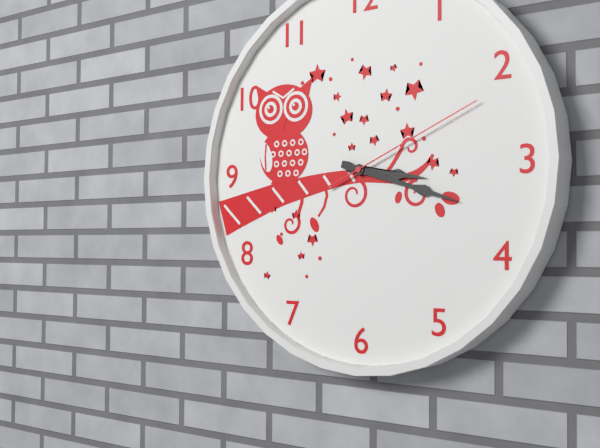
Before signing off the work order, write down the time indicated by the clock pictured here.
3:18:11
